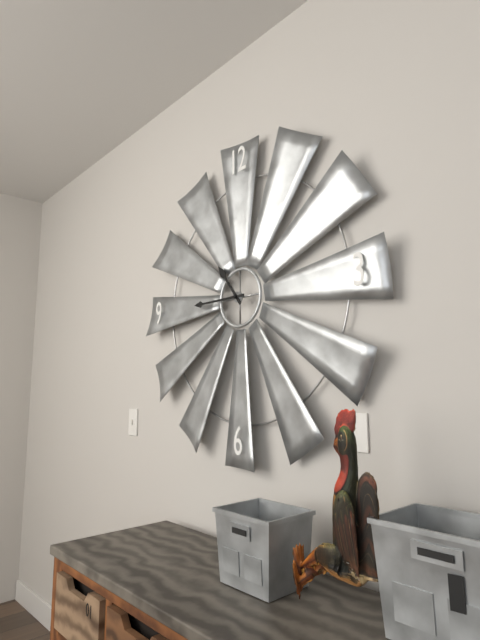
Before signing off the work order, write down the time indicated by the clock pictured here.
10:45
